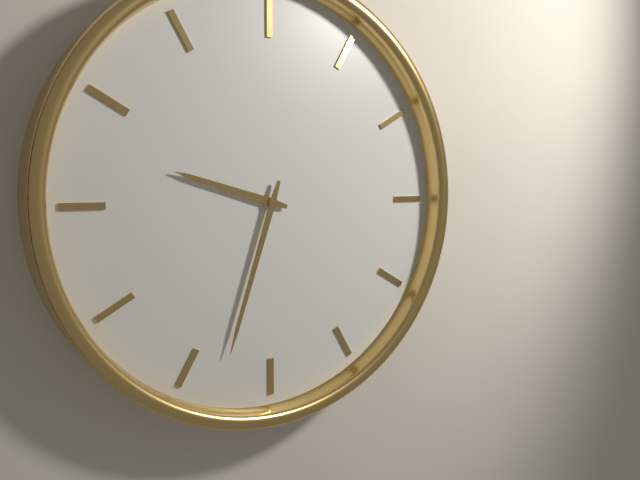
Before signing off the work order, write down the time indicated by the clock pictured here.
9:33
